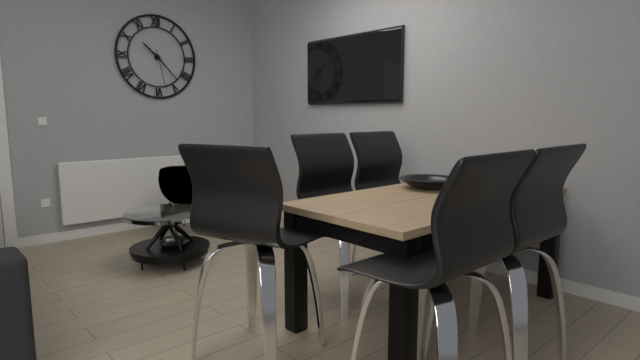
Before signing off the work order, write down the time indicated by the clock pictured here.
10:23
